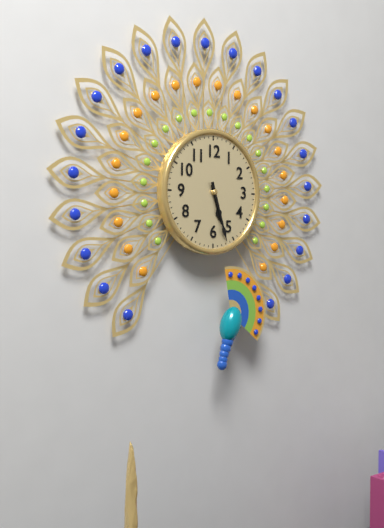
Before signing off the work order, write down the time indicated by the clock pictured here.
5:27
